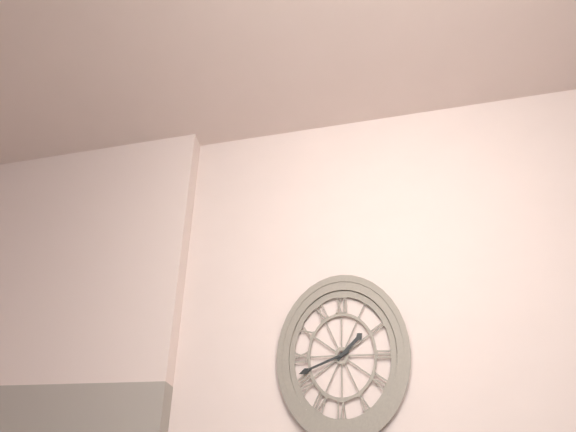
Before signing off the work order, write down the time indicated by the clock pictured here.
1:42
